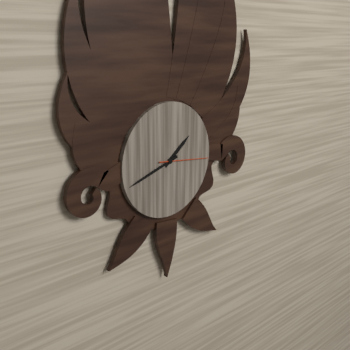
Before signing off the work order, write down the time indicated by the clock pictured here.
1:42:16
